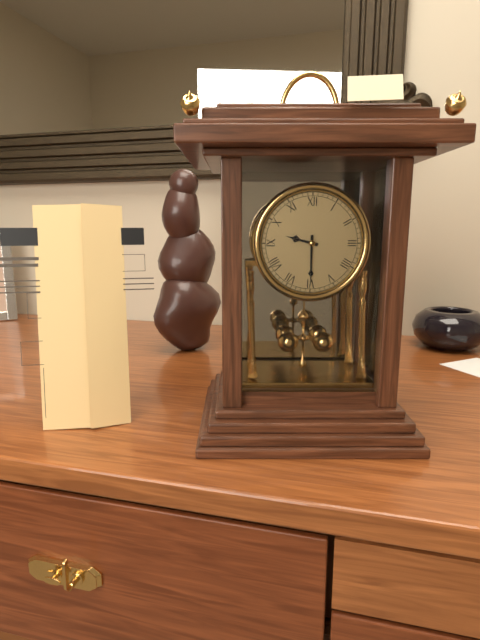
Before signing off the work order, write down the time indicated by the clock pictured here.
9:30
